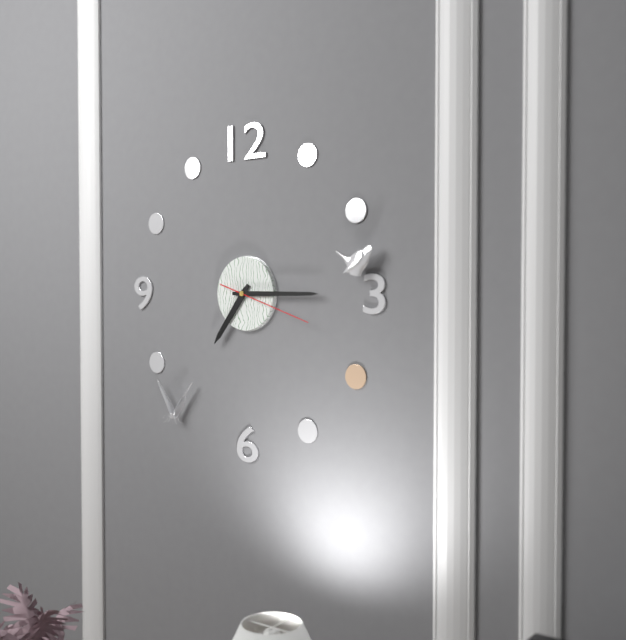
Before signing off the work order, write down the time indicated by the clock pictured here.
7:15:18
